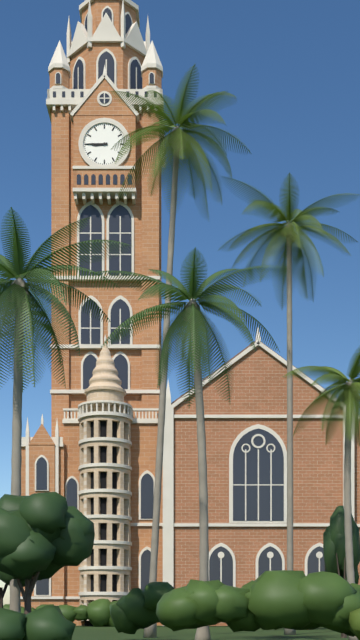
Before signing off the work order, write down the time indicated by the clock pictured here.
8:45
